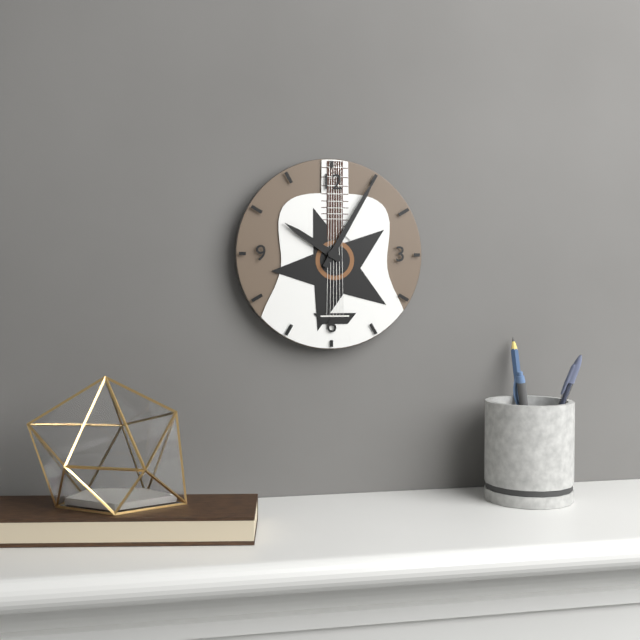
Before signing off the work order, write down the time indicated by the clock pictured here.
10:05
